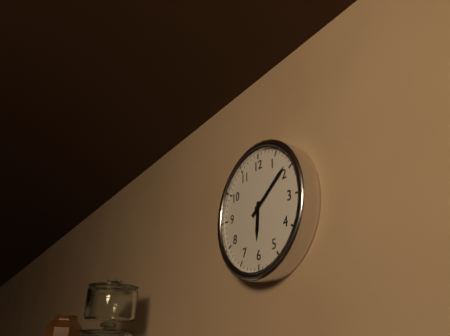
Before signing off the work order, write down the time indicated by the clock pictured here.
6:09
